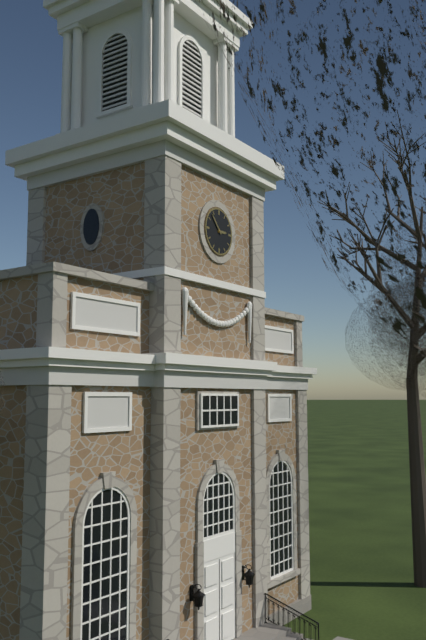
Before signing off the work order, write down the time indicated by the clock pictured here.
2:53
